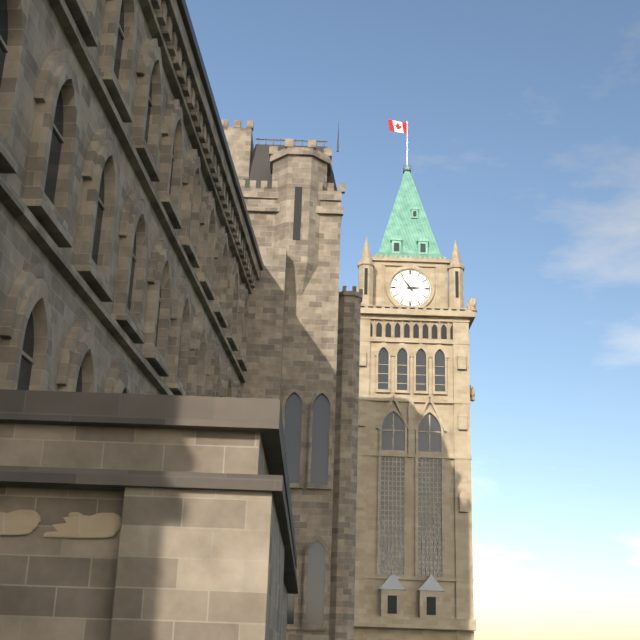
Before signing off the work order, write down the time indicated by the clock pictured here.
2:54
